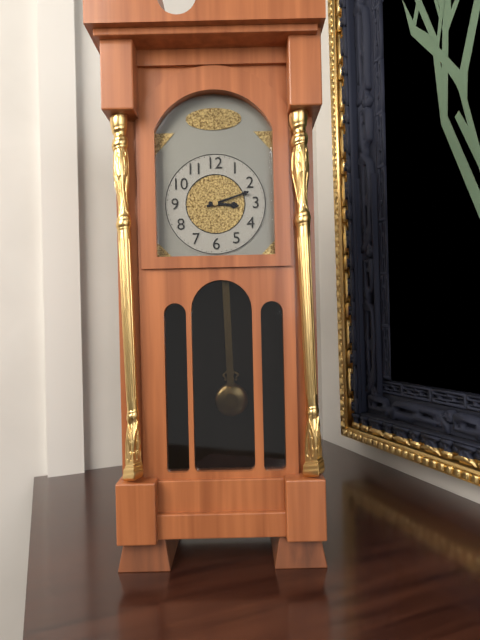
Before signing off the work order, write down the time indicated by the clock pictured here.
3:12
